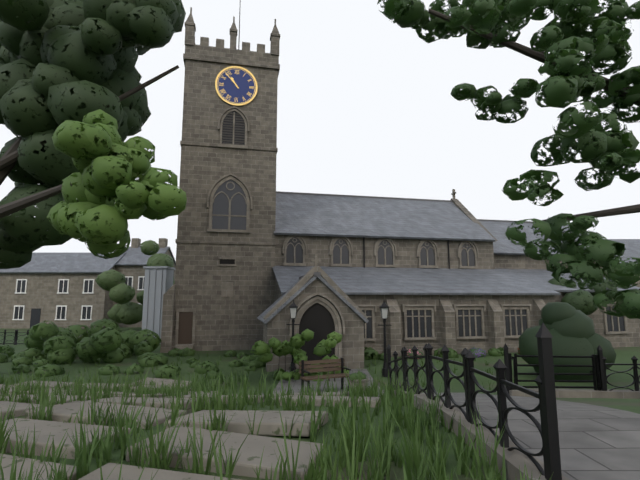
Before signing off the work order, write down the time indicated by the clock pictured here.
10:53
